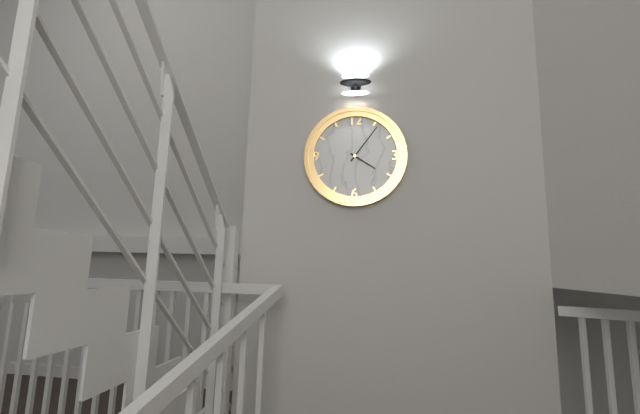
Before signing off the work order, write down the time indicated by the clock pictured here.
4:06
